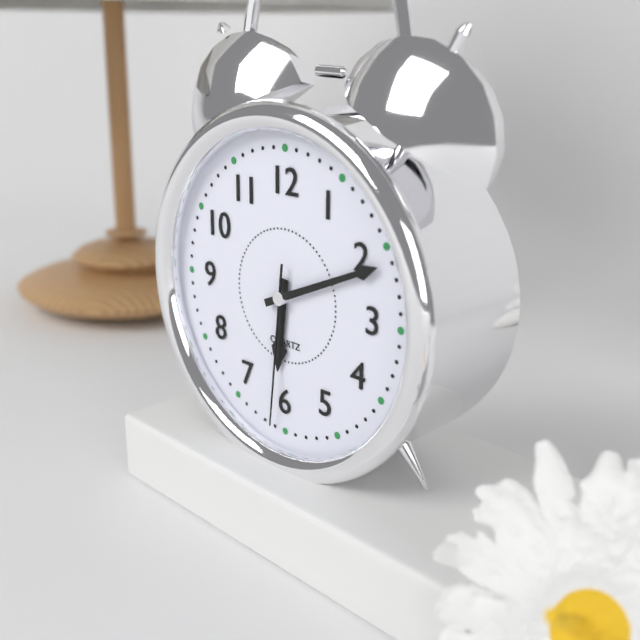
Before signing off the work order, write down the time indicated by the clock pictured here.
6:11:31
